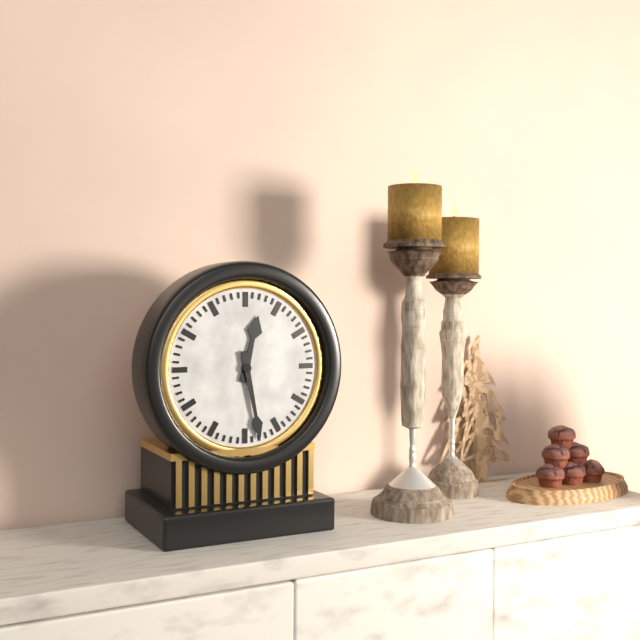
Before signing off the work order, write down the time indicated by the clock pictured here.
12:28
